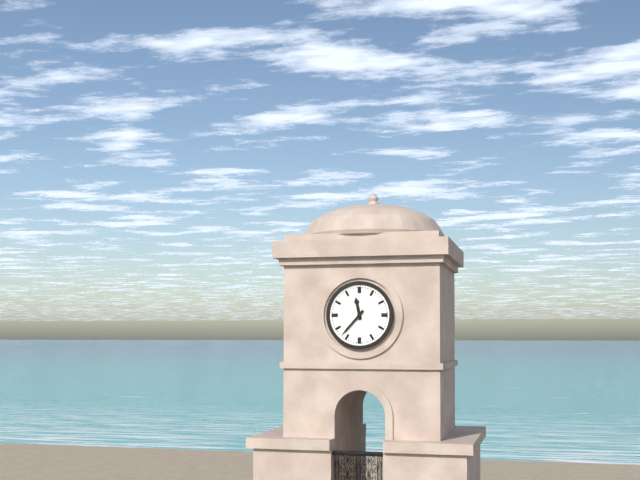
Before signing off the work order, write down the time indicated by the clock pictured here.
11:37
